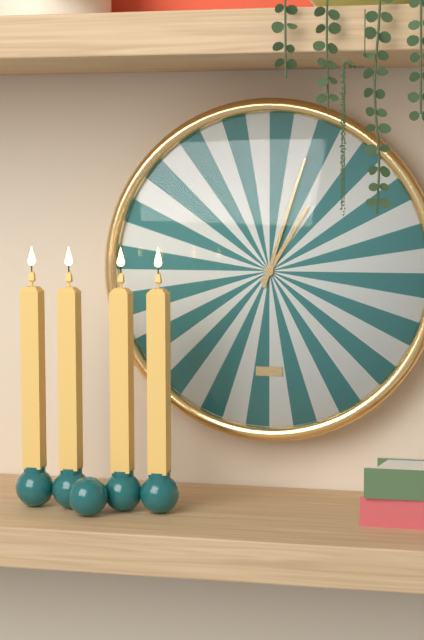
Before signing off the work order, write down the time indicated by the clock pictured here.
1:03
